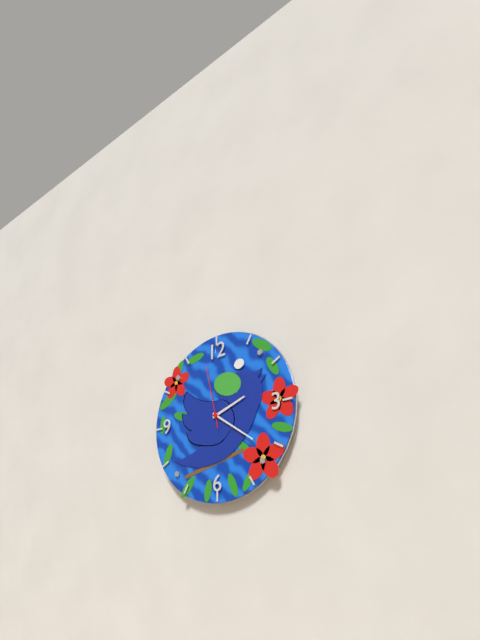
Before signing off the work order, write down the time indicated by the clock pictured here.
2:21:58
